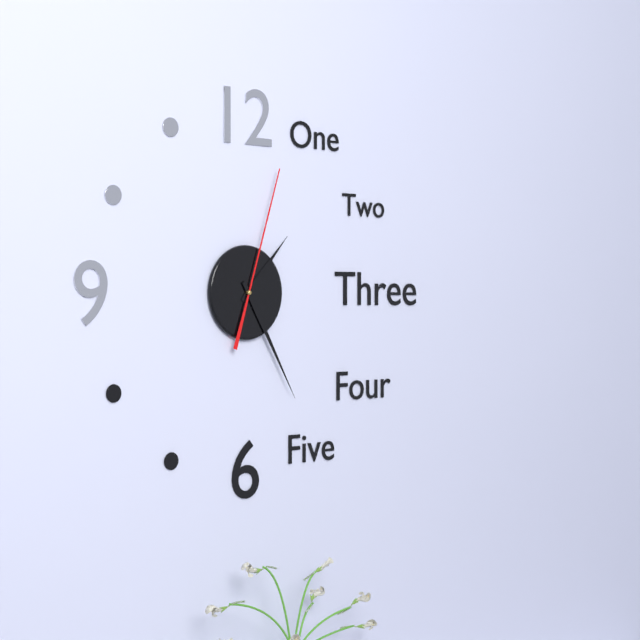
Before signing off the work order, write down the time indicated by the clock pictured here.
1:25:03
